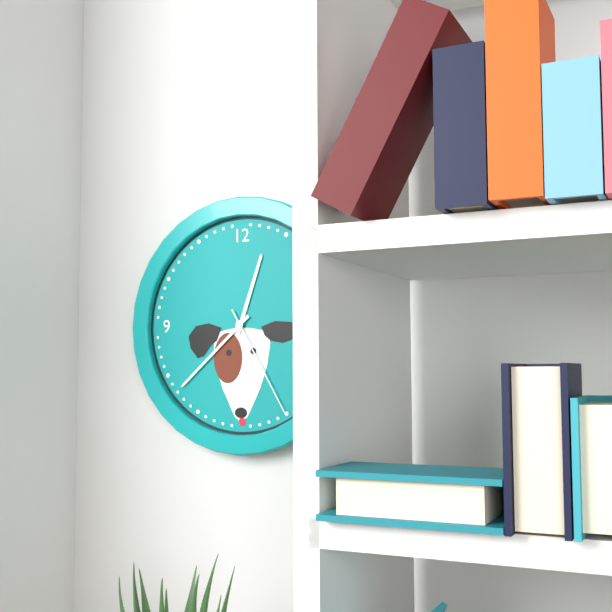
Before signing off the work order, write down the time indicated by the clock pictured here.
12:38:25
